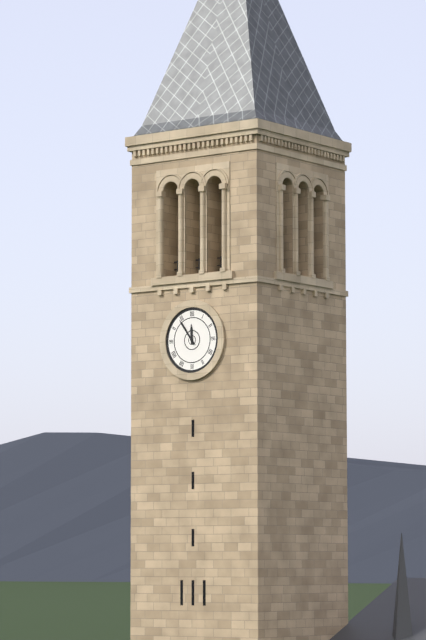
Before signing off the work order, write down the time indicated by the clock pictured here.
11:54
